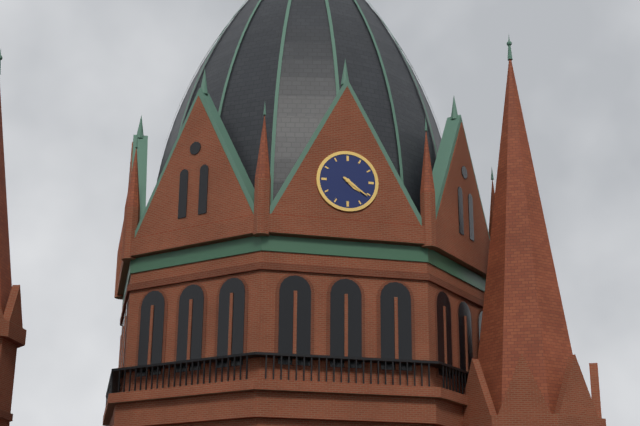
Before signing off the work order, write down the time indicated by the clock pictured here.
4:21
